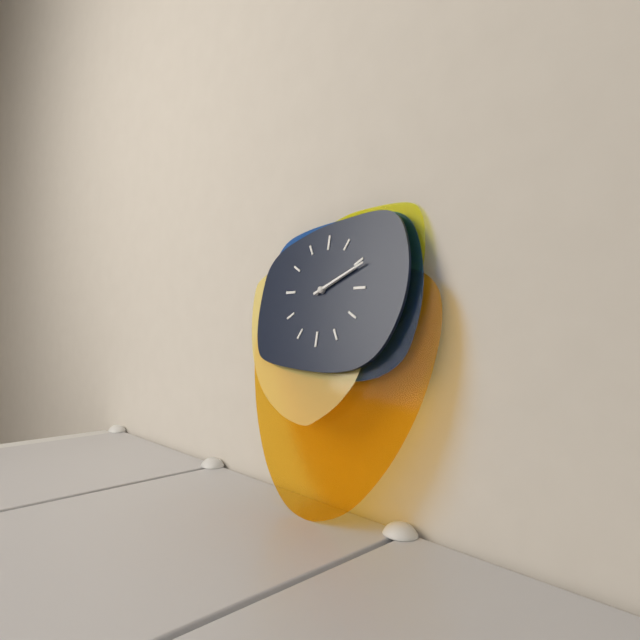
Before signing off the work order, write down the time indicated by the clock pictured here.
2:11
